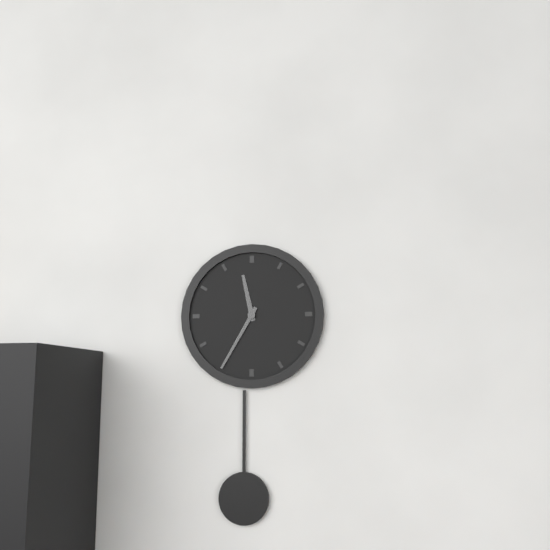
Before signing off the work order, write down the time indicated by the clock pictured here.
11:35
